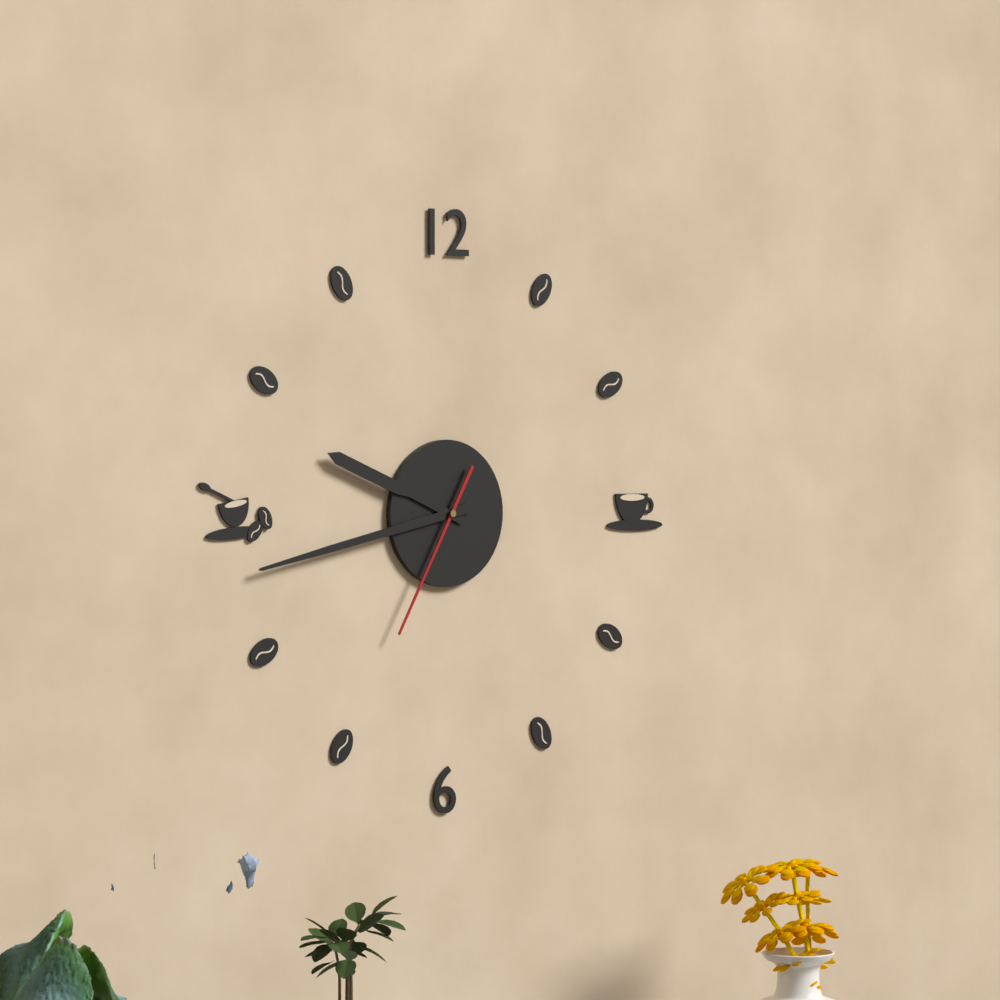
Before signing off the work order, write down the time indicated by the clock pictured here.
9:43:35
